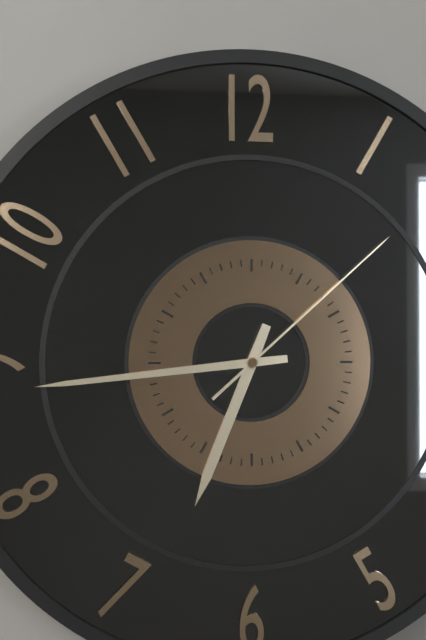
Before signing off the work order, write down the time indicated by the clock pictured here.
6:44:08
